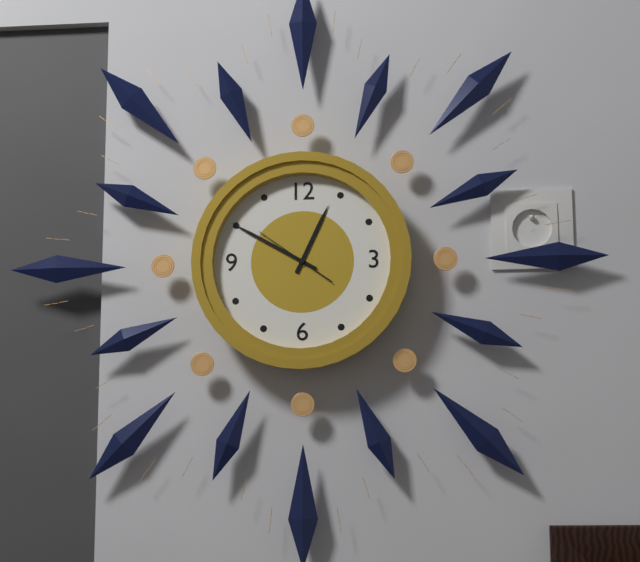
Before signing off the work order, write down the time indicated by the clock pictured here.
12:50:51
